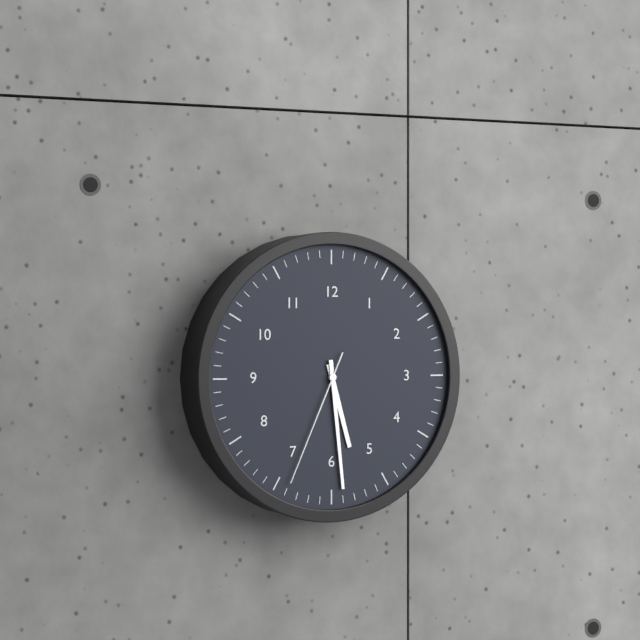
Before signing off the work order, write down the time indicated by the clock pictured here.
5:29:34
